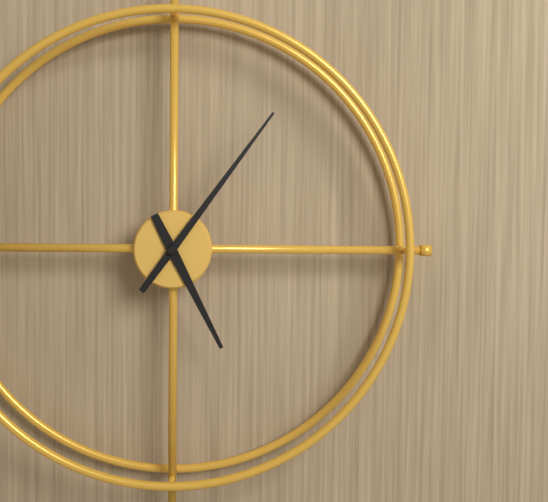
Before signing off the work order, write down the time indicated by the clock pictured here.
5:06
